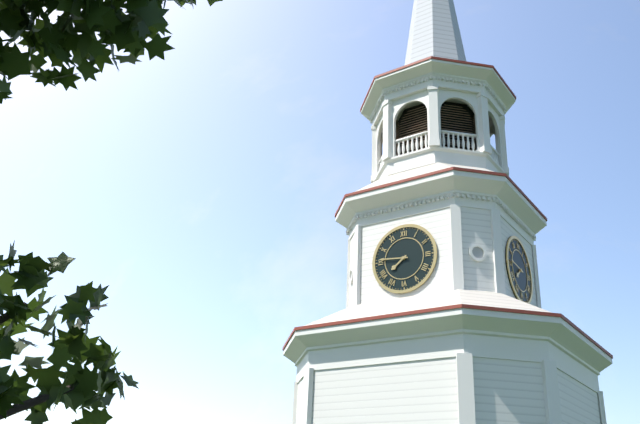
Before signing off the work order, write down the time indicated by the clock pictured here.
7:46
